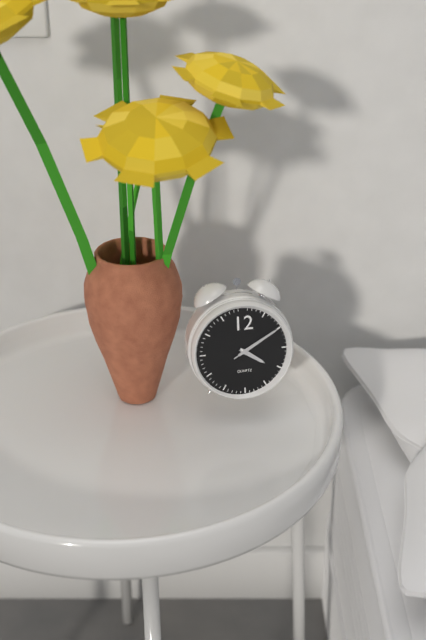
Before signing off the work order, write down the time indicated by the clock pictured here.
4:10:10
